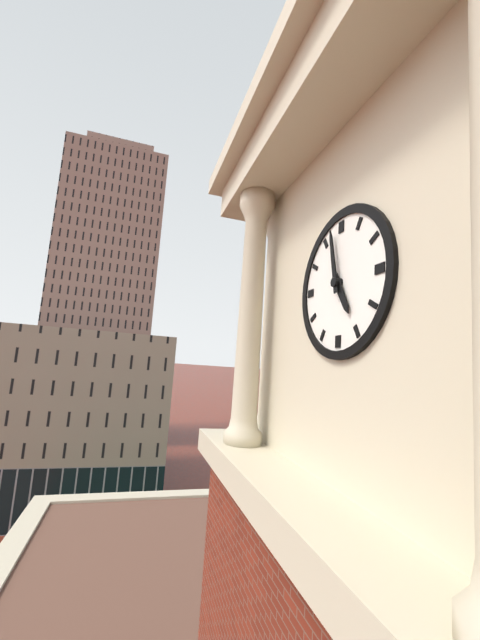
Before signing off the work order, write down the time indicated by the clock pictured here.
4:58
